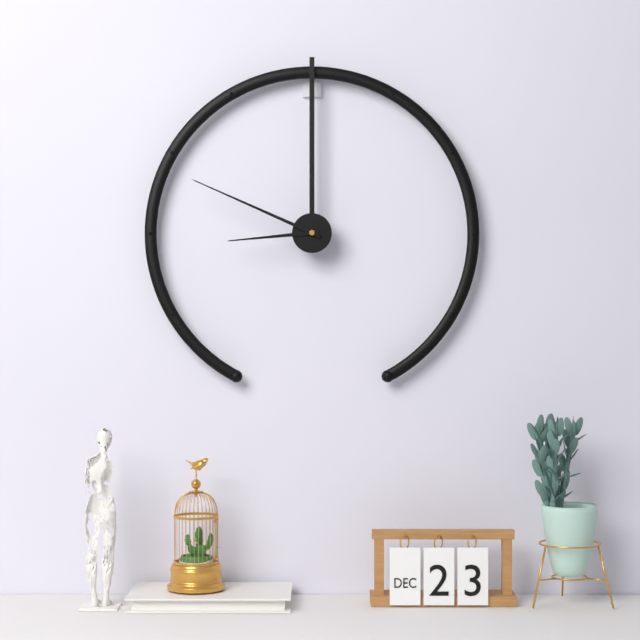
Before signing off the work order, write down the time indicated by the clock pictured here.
8:49
